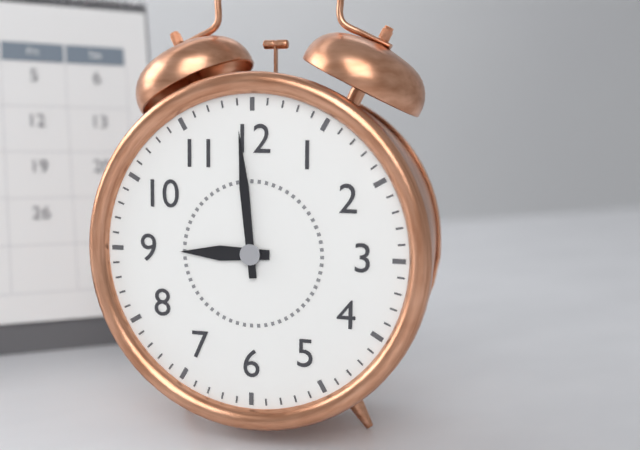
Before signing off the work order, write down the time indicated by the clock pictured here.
8:59
